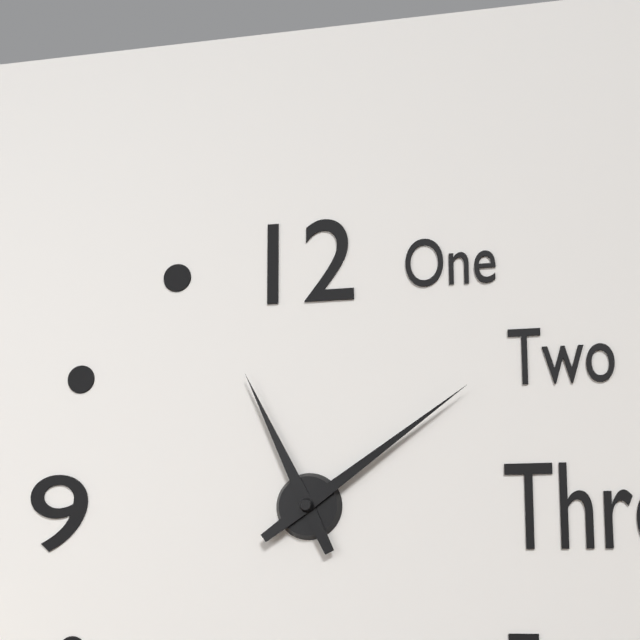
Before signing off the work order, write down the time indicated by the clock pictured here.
11:09
